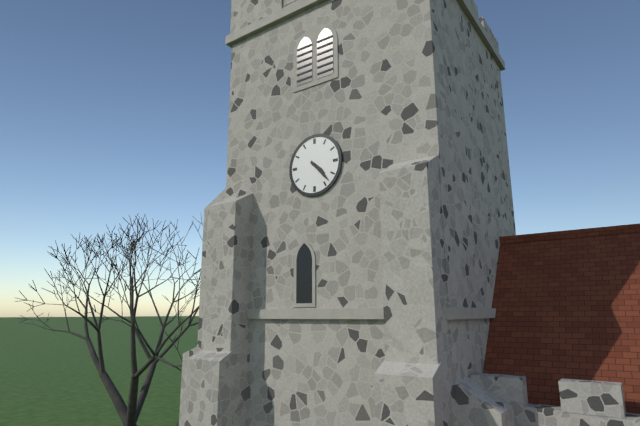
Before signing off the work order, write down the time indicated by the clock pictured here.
4:23
